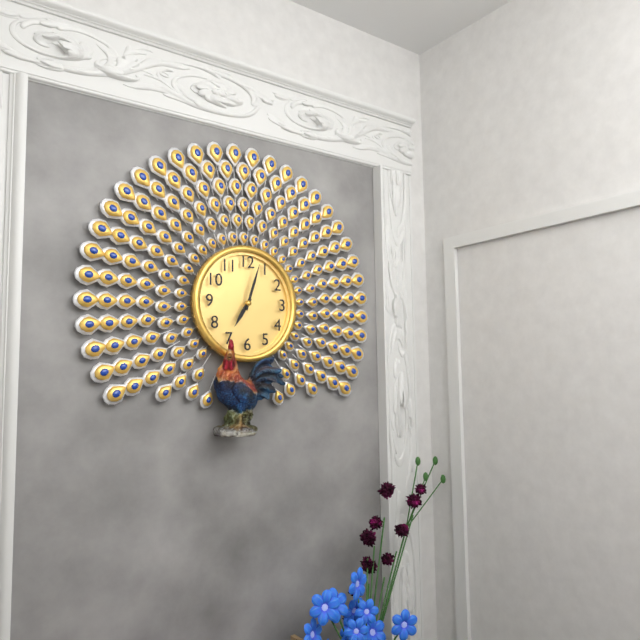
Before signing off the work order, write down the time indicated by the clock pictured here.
7:03
